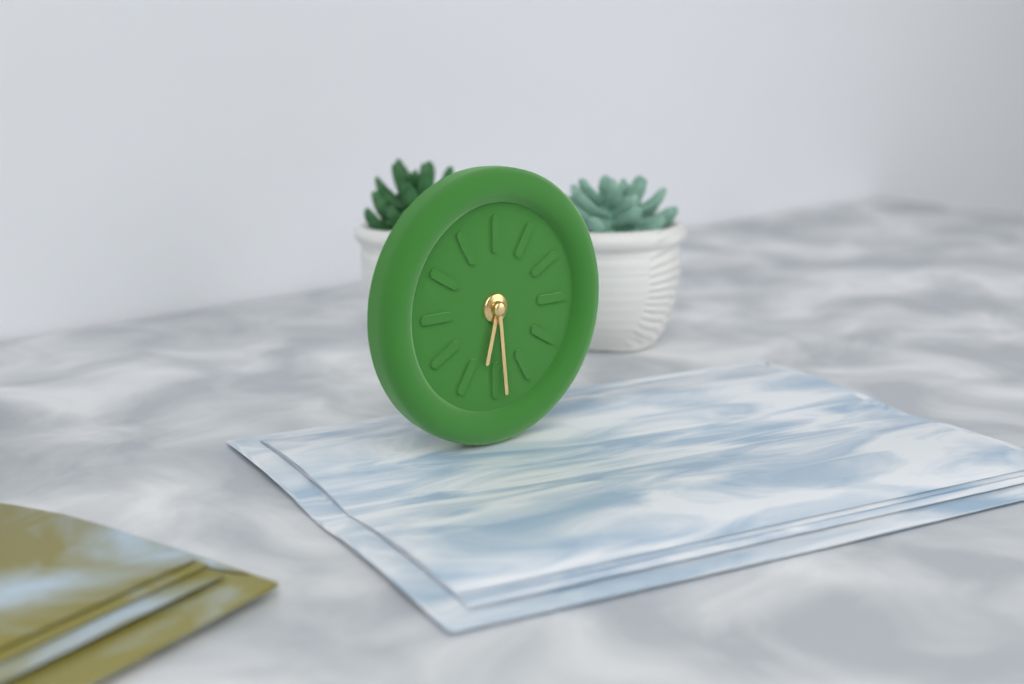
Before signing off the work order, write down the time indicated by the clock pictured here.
6:29
